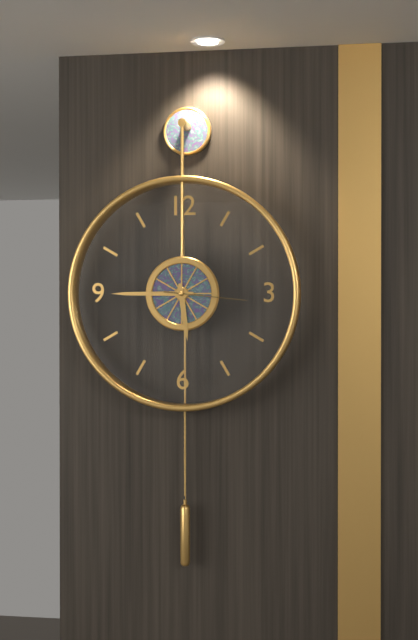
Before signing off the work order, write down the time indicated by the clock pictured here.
5:45:16
